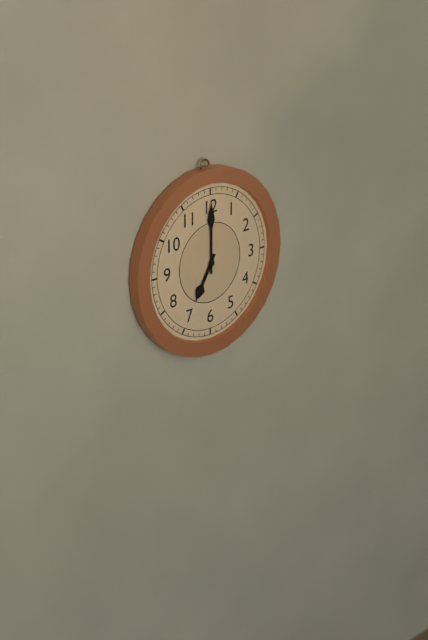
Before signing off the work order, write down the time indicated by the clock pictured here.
7:00
